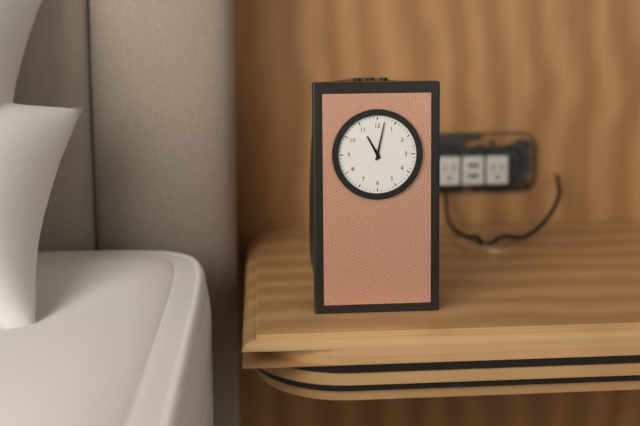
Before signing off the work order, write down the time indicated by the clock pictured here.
11:02
